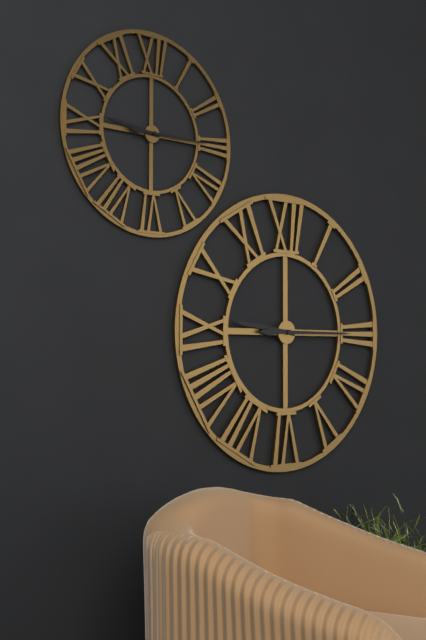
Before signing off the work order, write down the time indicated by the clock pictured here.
9:15
